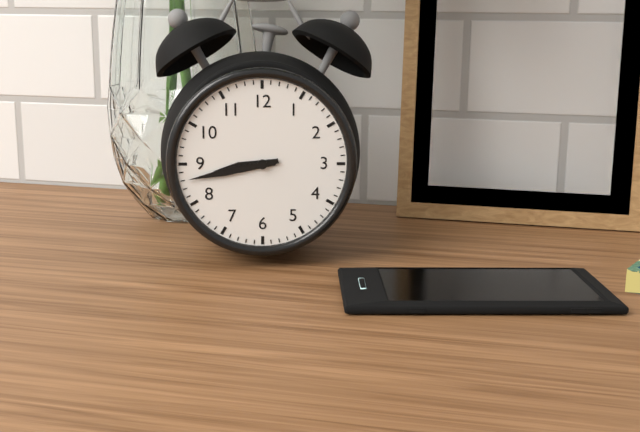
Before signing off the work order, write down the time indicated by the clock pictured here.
8:43
